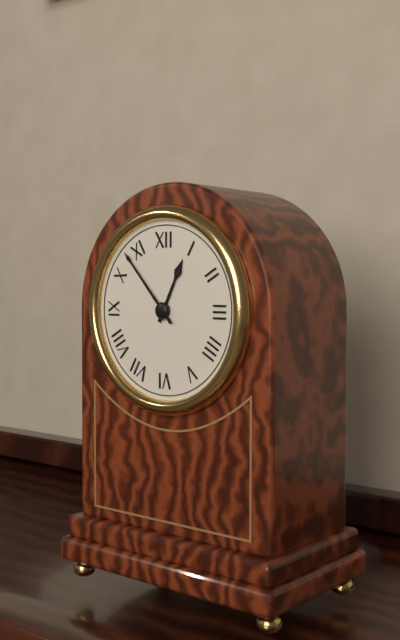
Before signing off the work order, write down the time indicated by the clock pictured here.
12:53
